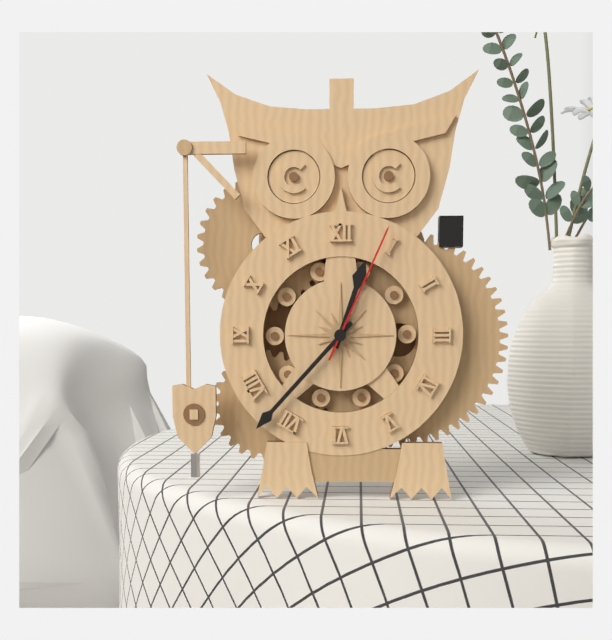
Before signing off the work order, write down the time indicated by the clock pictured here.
12:37:04
